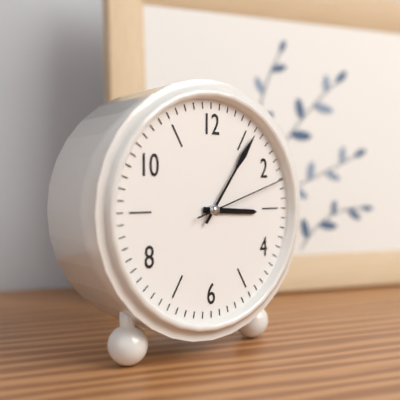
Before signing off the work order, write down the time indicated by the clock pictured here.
3:06:12
